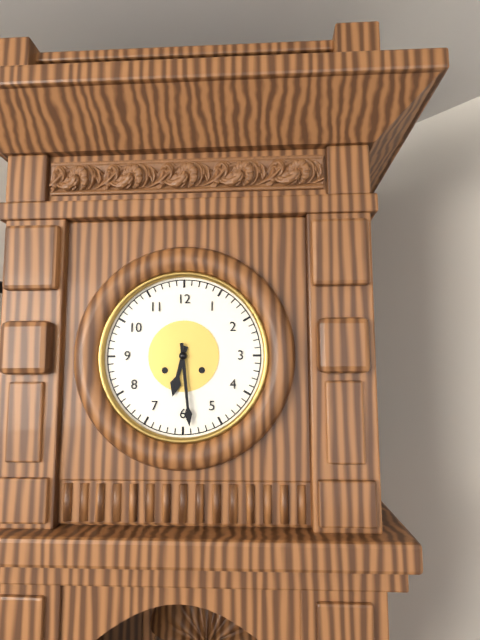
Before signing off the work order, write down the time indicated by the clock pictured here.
6:29
